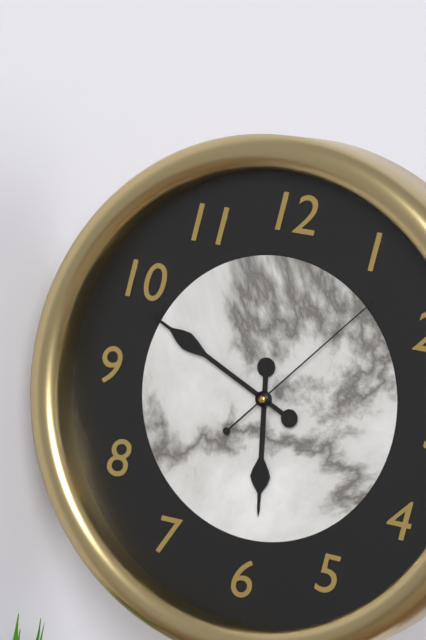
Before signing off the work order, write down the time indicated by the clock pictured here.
5:49:07
